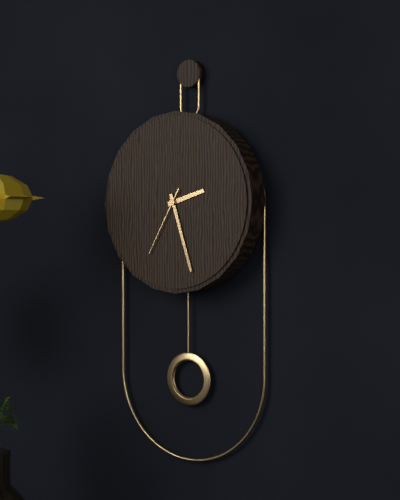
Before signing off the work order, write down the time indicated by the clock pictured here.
2:27:35
